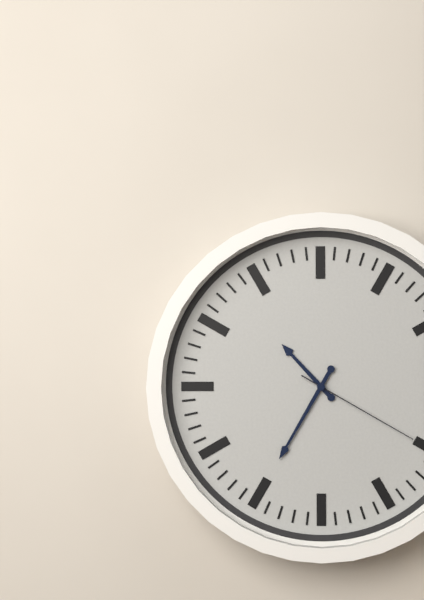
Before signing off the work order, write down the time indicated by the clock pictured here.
10:35:20
